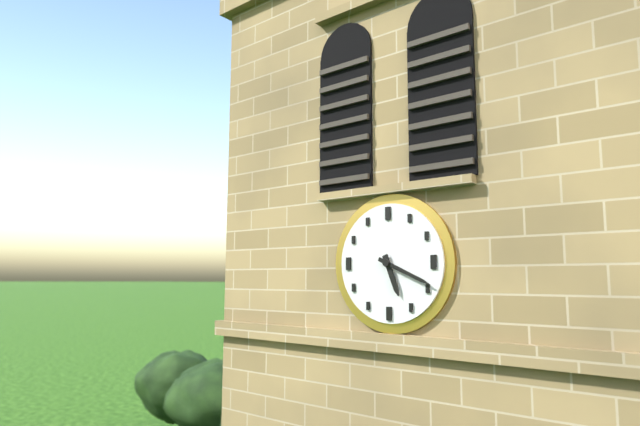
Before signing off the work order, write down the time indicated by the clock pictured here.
5:19
